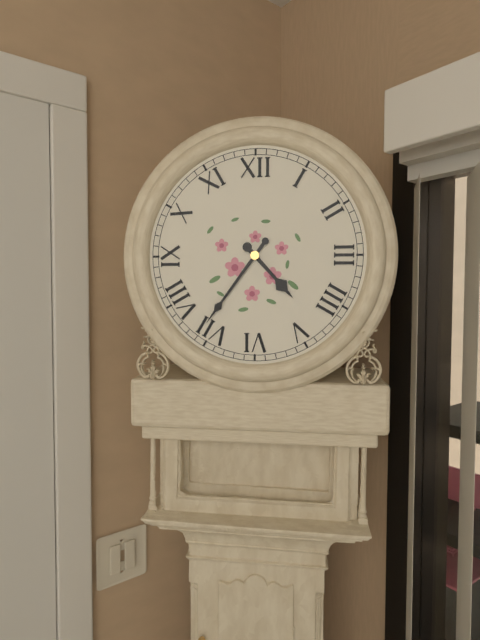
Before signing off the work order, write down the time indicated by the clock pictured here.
4:36
